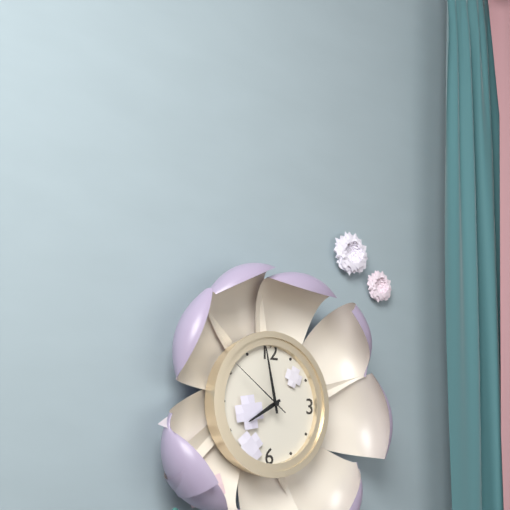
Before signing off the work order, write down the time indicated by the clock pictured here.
7:58:51
